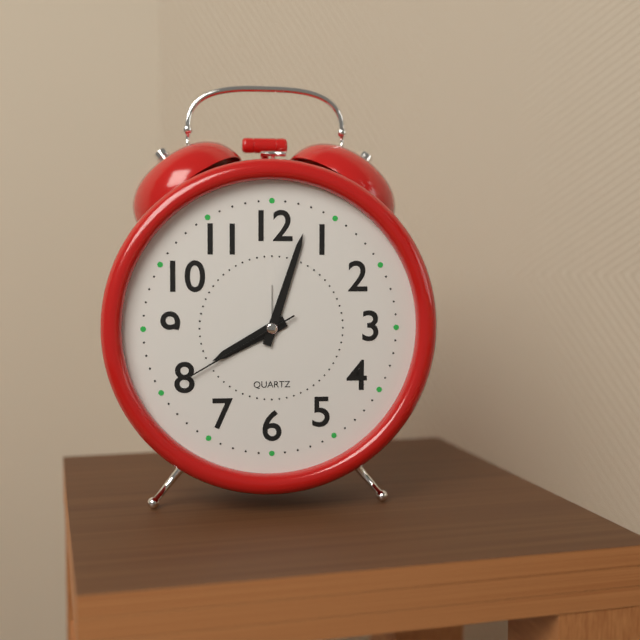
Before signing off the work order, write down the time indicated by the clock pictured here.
8:03:40
